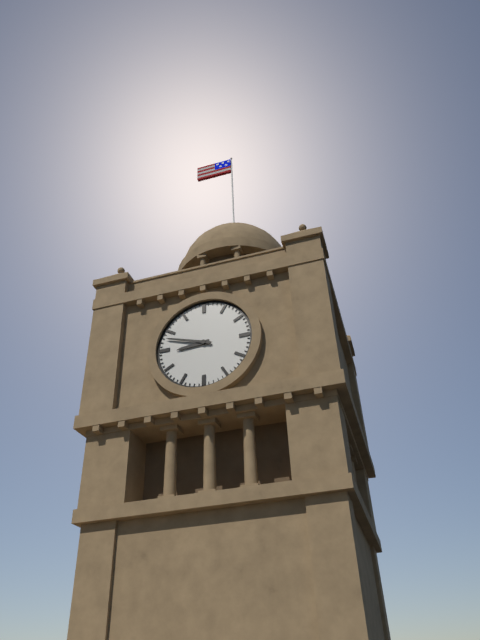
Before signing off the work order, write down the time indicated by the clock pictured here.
8:48
